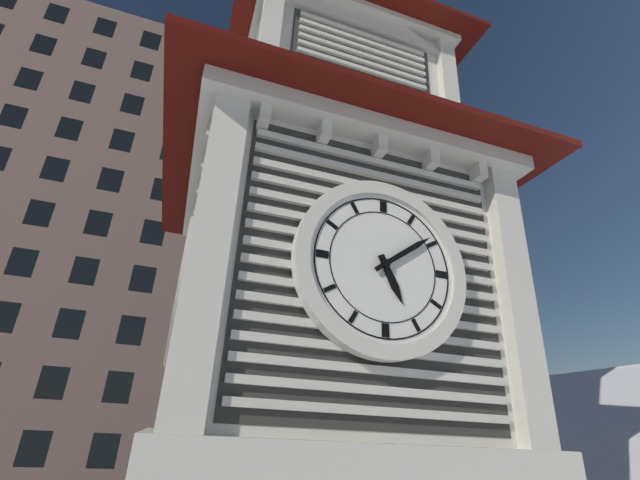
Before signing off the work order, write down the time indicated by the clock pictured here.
5:09
